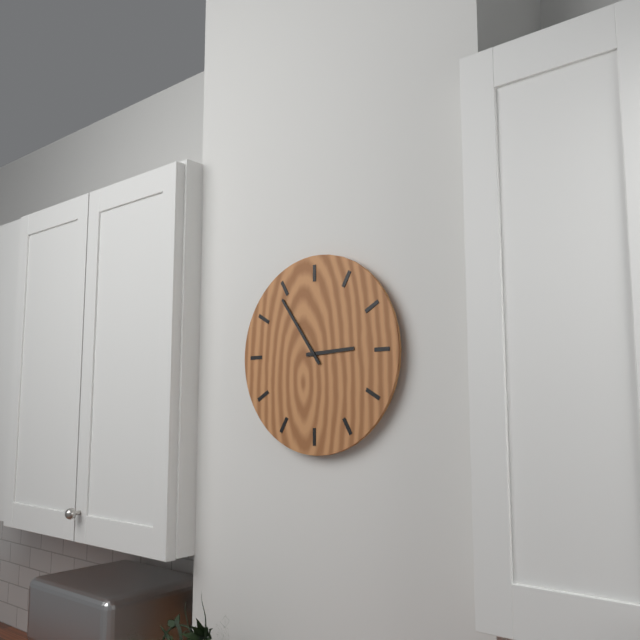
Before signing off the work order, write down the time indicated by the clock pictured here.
2:54
